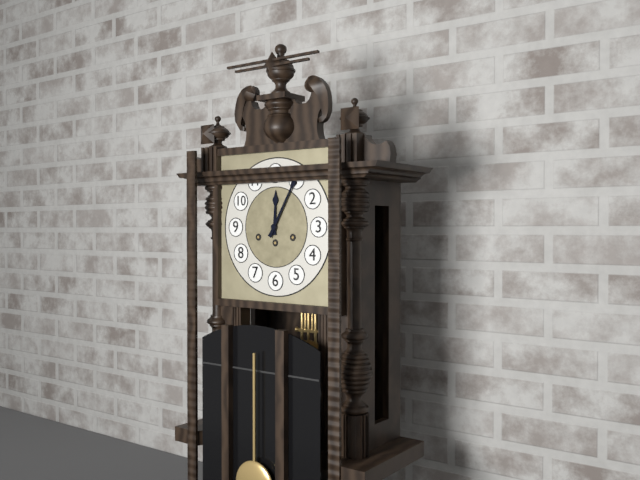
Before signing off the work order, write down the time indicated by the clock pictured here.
12:05
